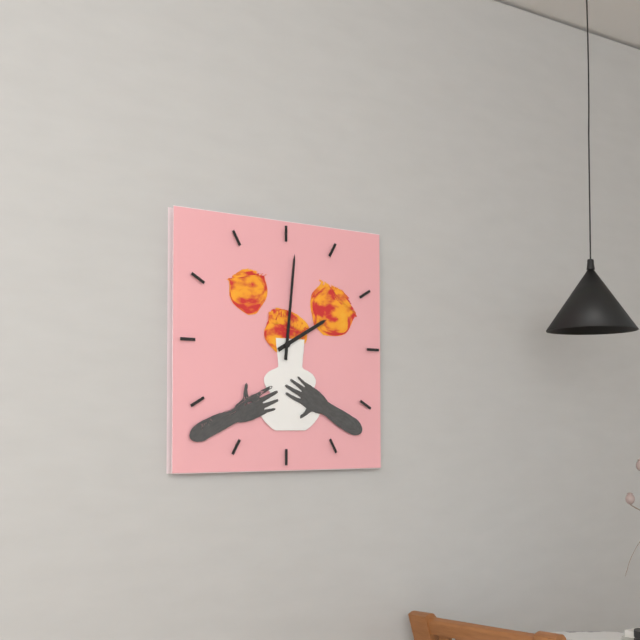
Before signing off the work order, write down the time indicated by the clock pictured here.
2:01
